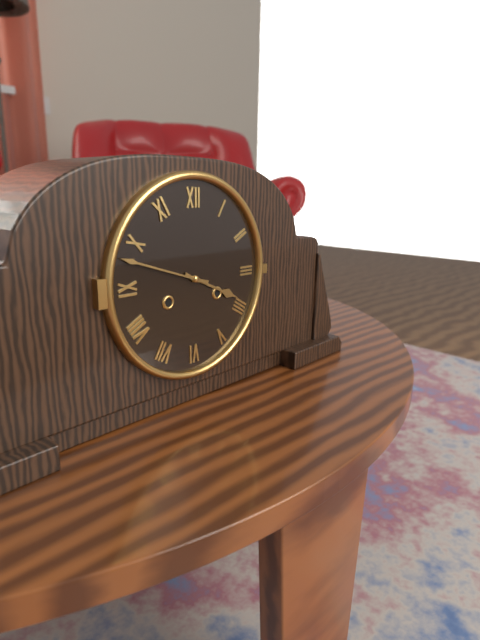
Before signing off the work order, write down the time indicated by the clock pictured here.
3:48
